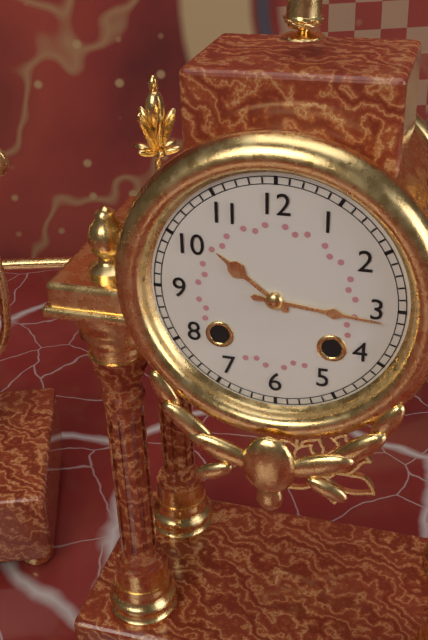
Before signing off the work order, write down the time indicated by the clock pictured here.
10:16
